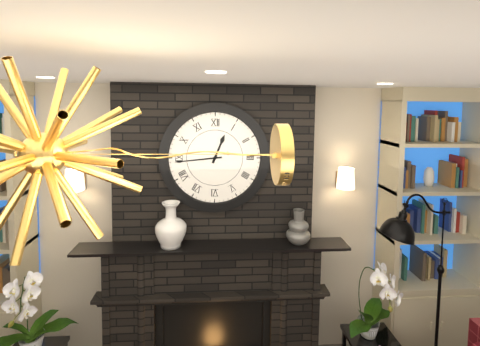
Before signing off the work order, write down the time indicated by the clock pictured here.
12:44
